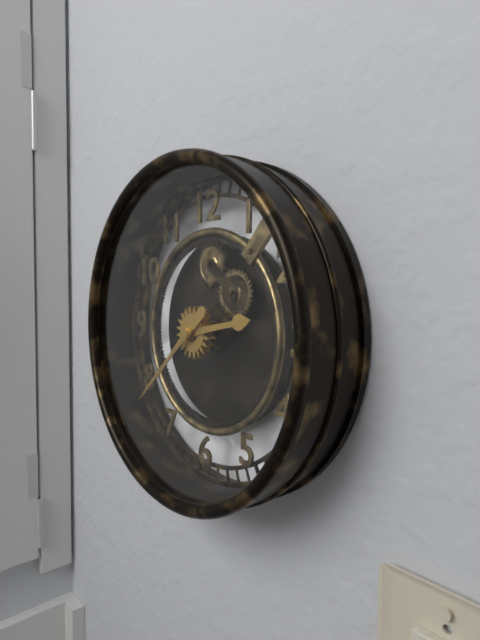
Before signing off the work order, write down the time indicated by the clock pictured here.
2:38
